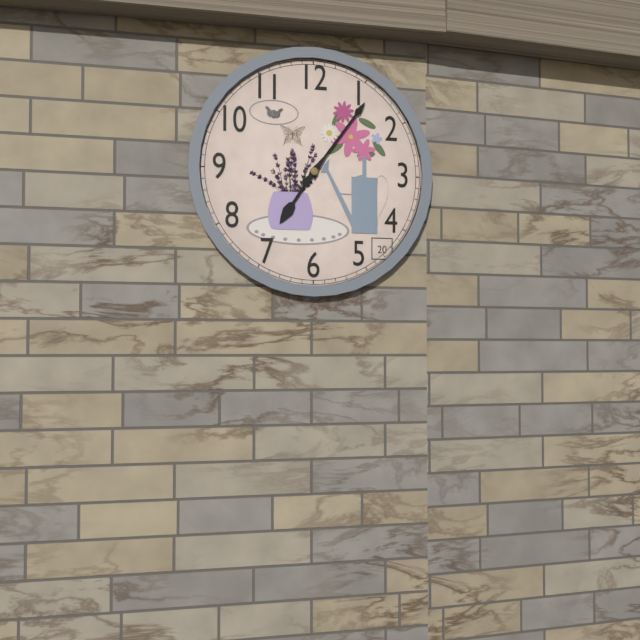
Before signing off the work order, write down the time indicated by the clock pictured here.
7:06
